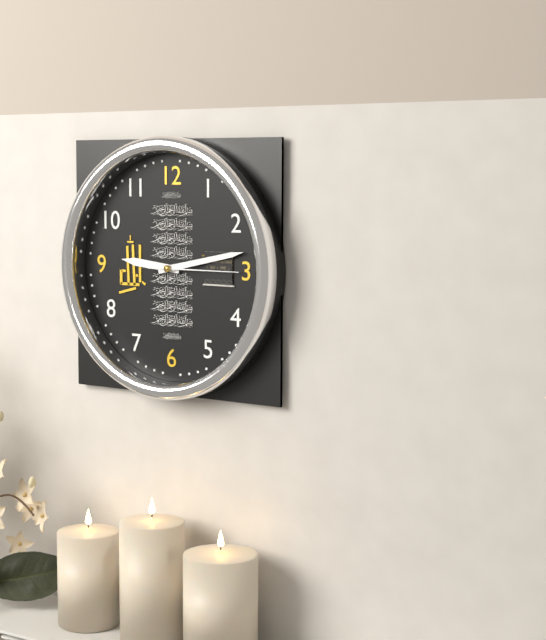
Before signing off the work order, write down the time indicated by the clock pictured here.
9:13:15
